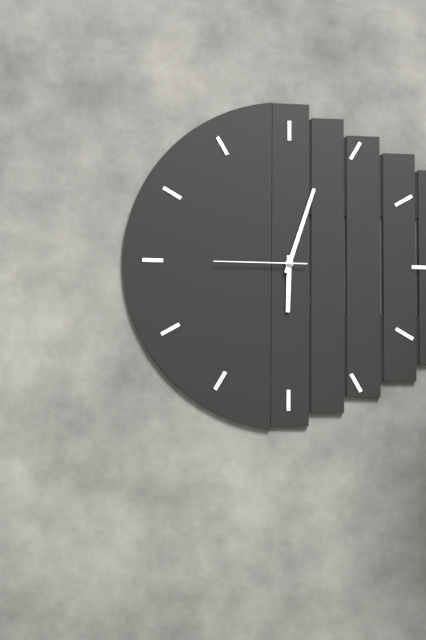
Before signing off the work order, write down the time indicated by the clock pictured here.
6:03:45
